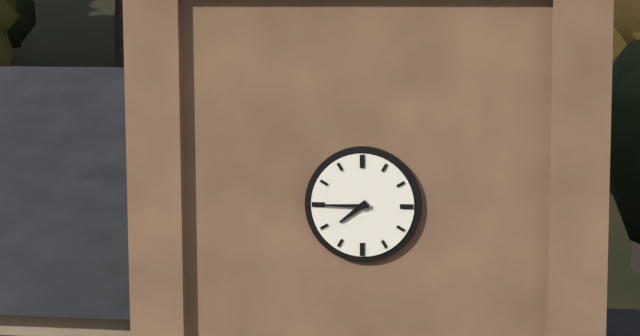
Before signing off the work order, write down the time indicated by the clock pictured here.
7:45
